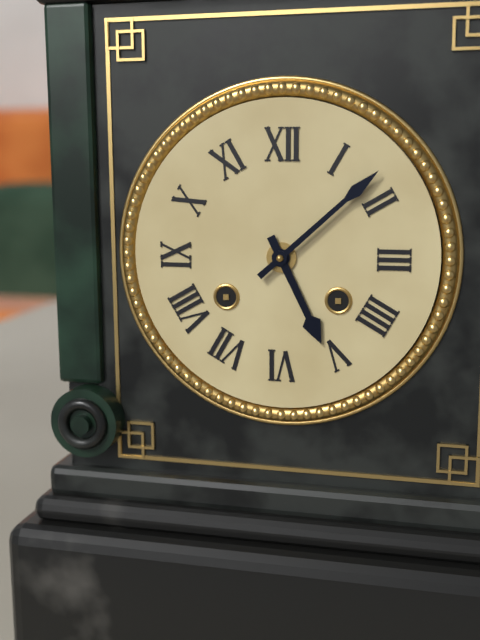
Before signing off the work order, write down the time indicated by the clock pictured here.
5:08
